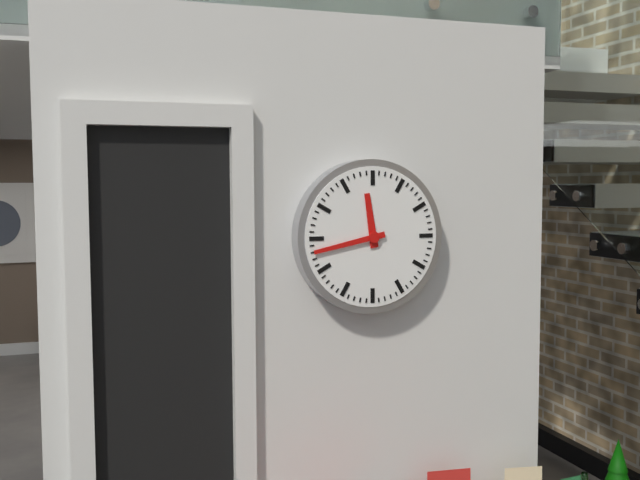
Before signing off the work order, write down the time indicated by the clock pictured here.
11:43
